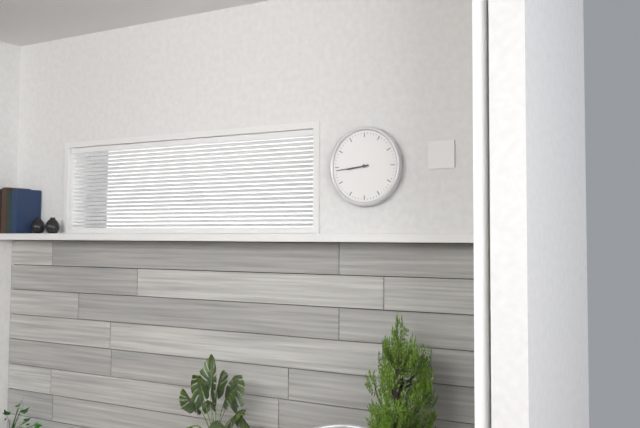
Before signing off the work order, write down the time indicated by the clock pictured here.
8:44
